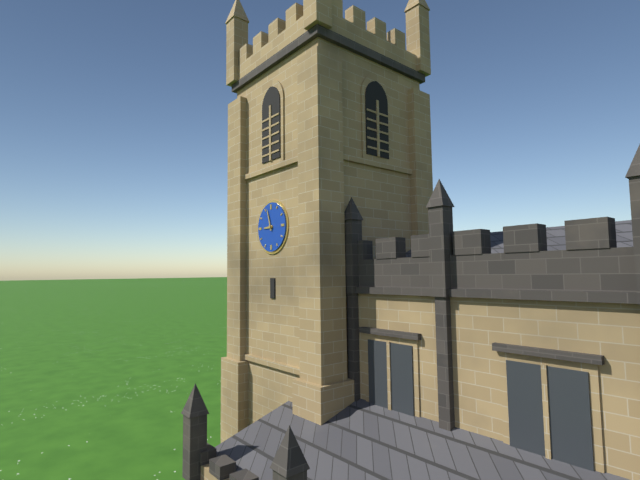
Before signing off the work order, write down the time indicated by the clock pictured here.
8:57
